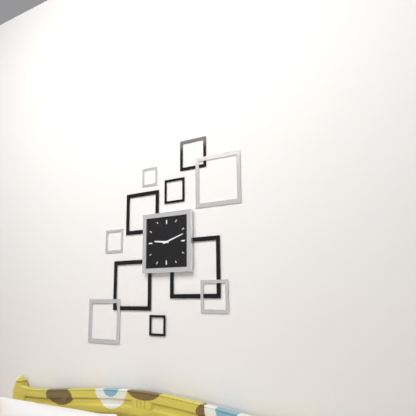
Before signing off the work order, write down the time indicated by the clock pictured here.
9:12
